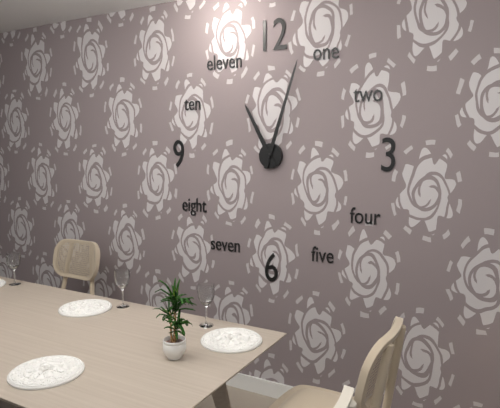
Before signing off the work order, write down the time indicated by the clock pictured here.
11:03
